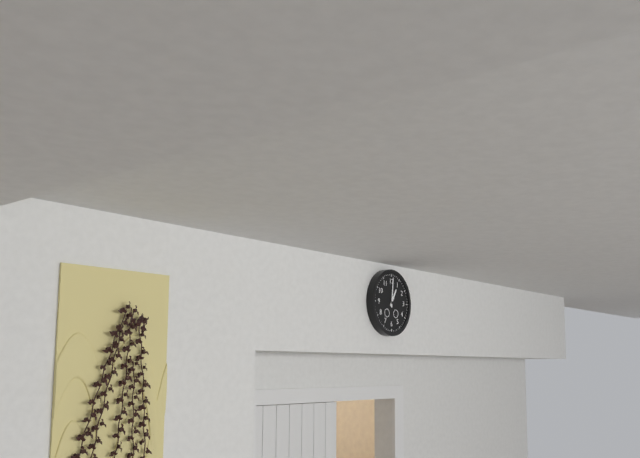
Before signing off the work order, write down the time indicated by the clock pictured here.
1:01
